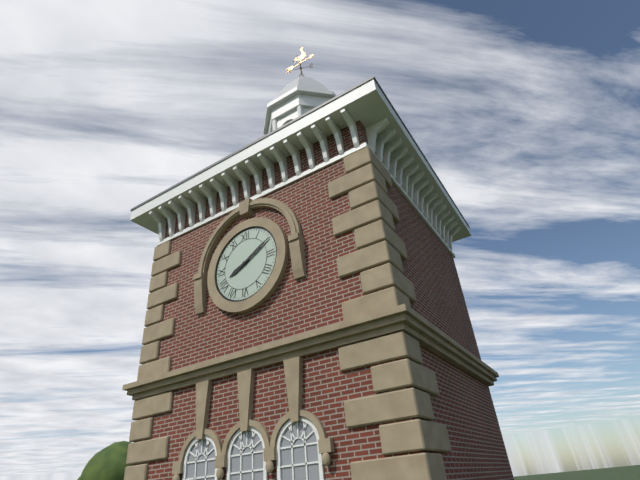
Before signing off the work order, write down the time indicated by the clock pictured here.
8:10
